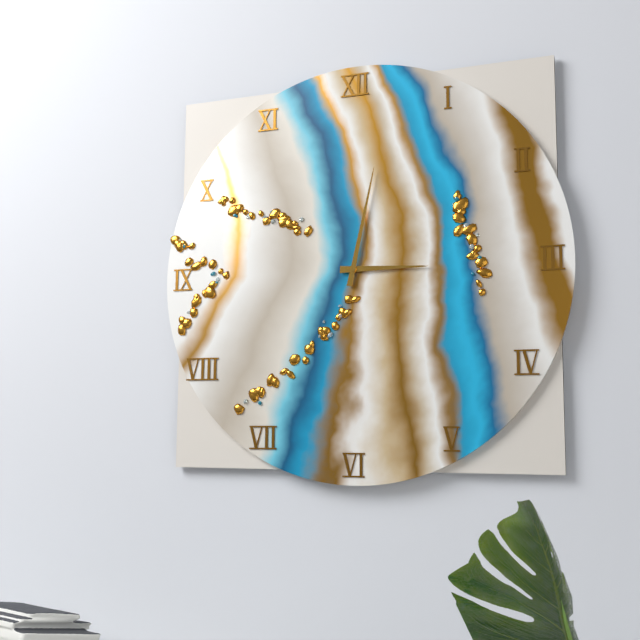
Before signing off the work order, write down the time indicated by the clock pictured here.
3:02
